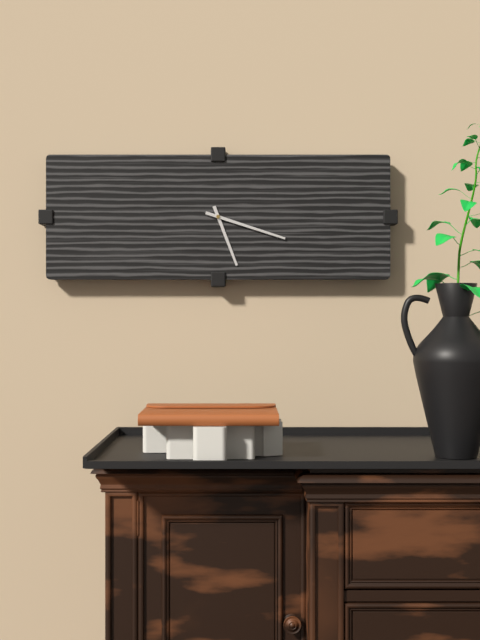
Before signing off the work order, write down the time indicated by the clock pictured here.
5:18
